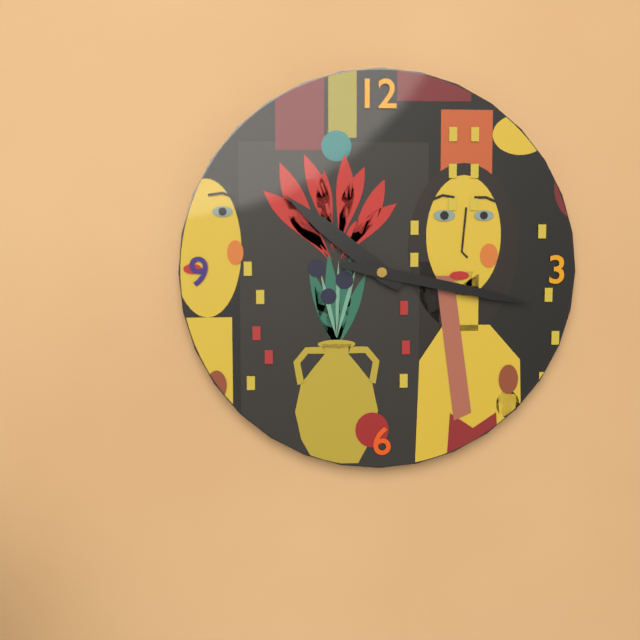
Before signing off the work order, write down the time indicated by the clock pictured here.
10:17
